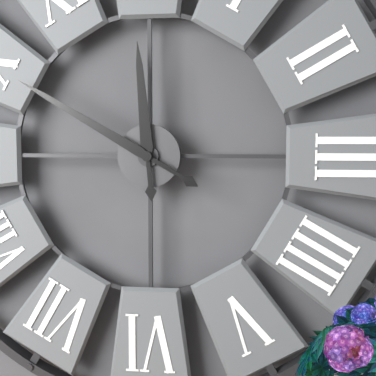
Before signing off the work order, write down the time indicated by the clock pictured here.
11:50
